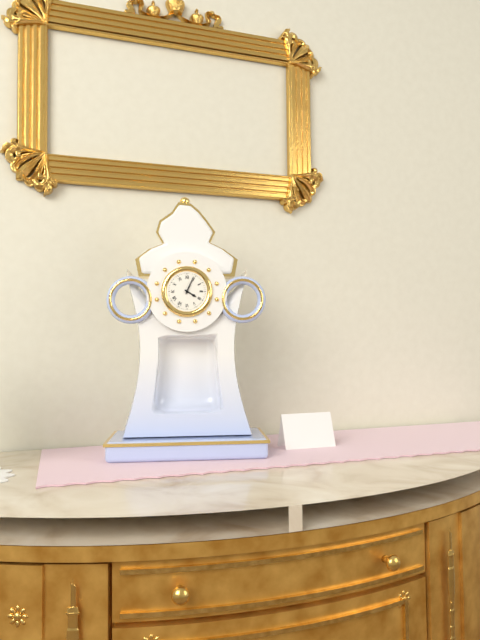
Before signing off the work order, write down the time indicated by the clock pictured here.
4:04
